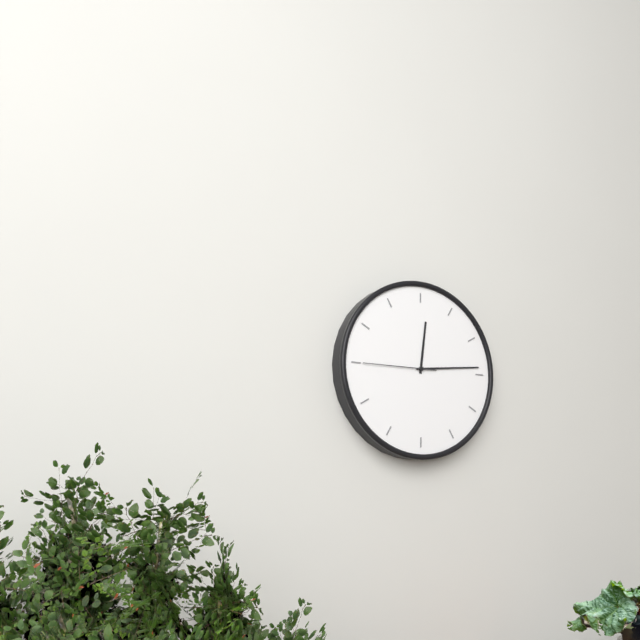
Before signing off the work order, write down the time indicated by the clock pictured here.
12:14:45
